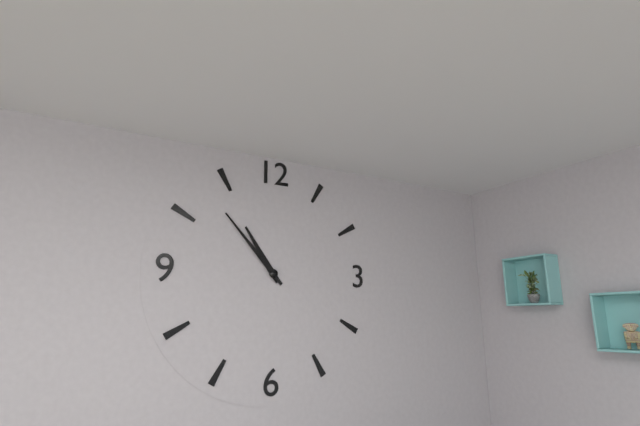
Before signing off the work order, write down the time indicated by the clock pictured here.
10:53
